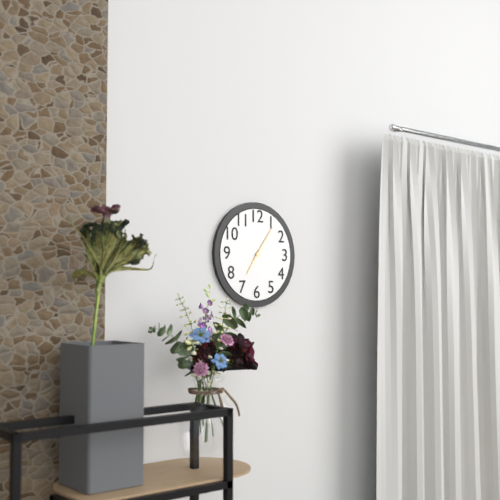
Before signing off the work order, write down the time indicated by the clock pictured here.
7:06
